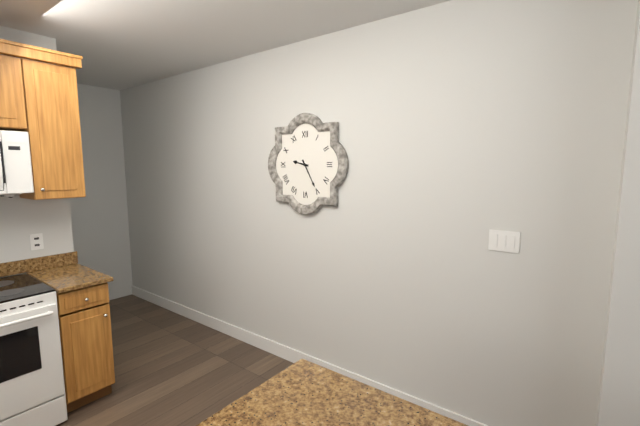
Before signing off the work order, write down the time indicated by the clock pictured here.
9:25
